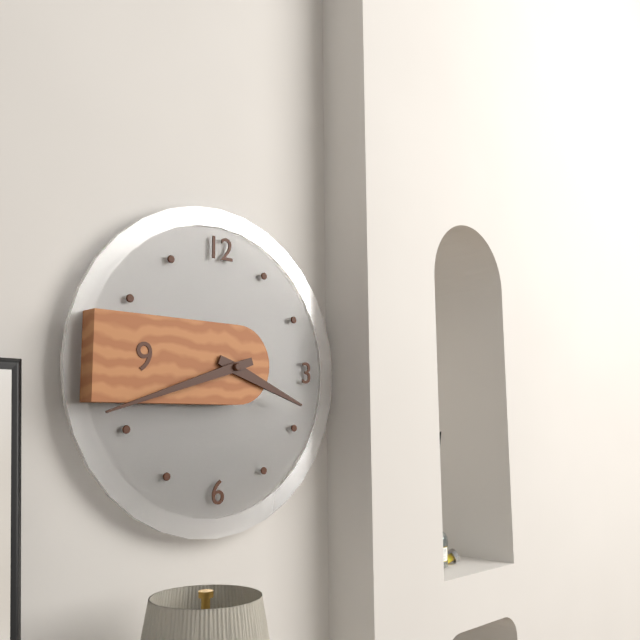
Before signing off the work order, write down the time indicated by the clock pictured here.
3:42
